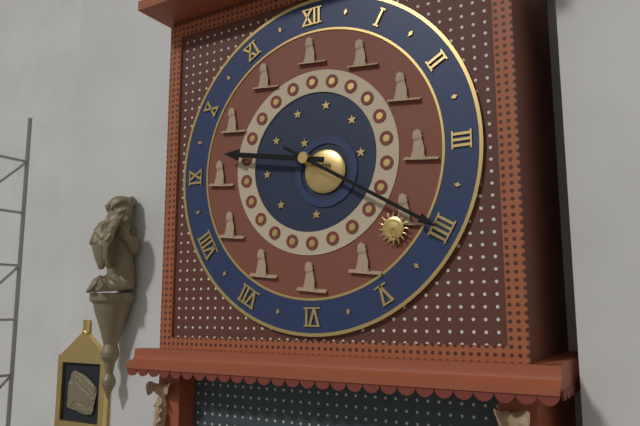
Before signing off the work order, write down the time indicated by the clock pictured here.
9:20
